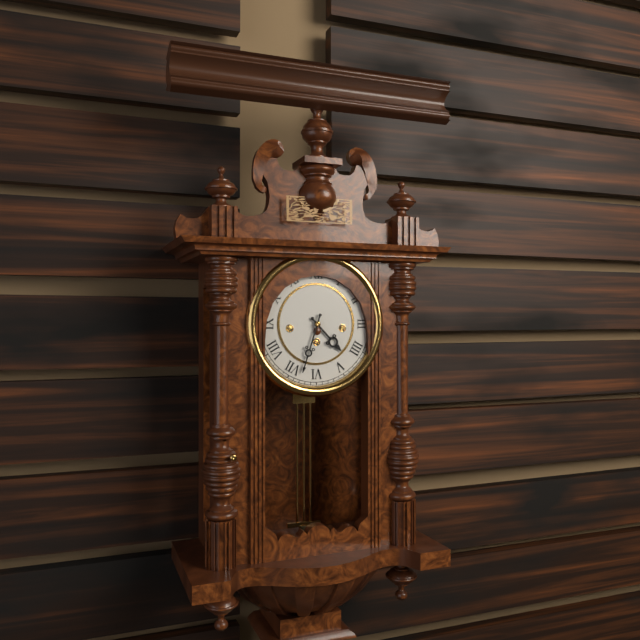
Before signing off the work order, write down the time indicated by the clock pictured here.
4:33
